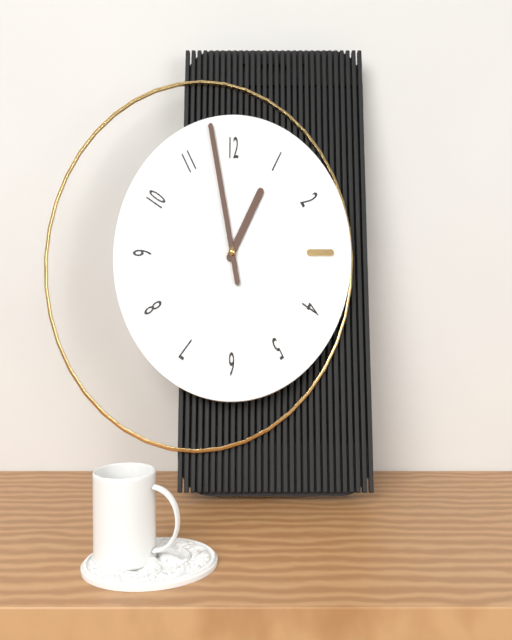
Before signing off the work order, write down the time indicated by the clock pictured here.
12:58
